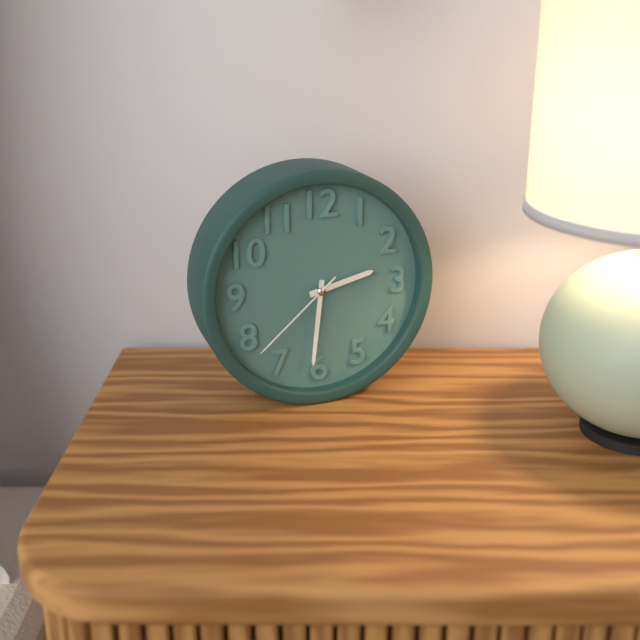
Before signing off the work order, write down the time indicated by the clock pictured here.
2:31:38
